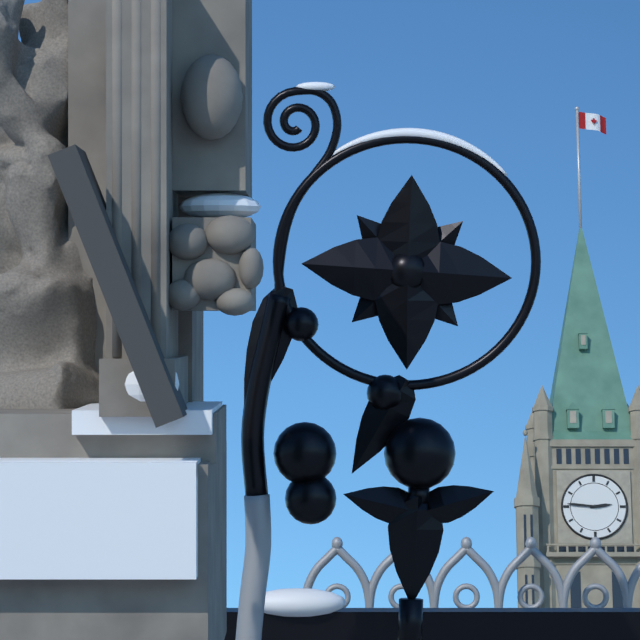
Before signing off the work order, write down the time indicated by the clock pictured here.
2:46
